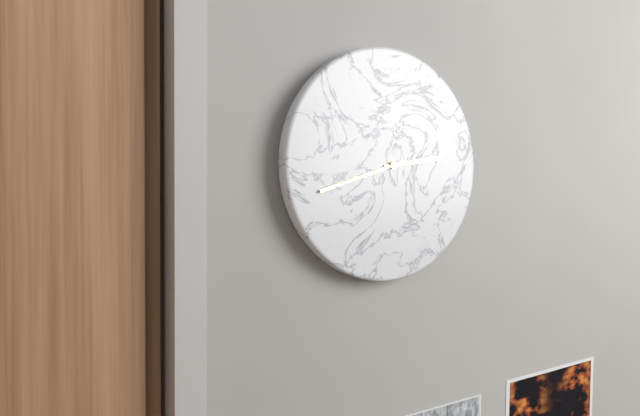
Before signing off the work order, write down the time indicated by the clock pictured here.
2:42
